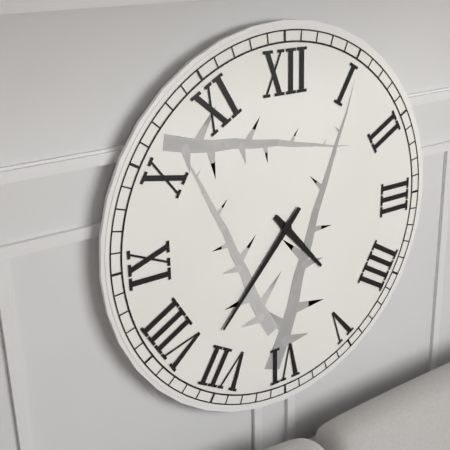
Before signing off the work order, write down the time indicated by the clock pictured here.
4:37
